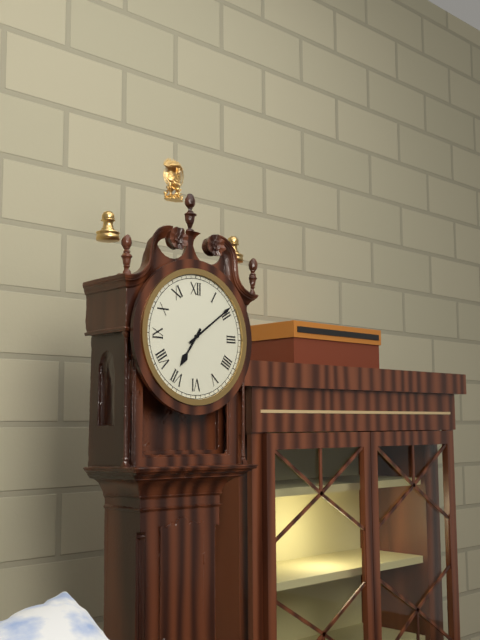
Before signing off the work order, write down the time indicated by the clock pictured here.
7:09
